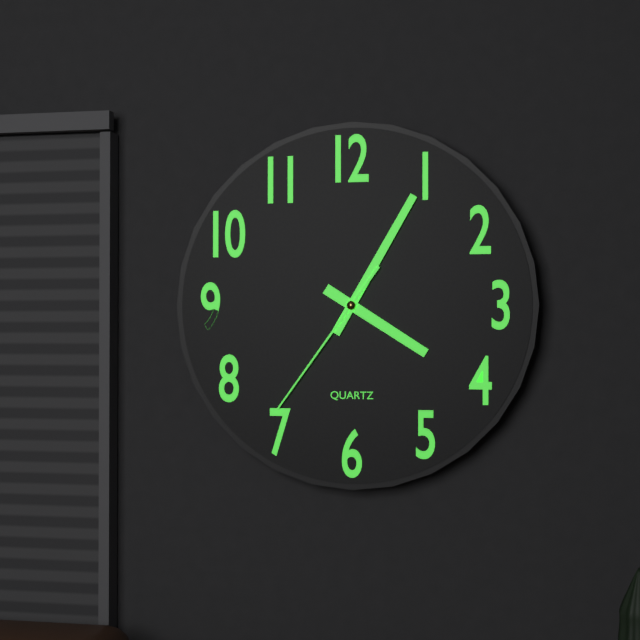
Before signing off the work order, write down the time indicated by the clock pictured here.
4:05:36
